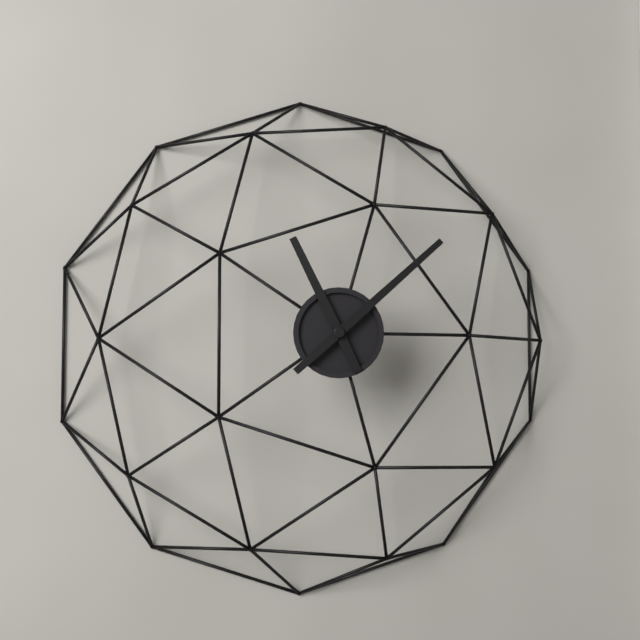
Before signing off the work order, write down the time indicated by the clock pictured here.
11:08
